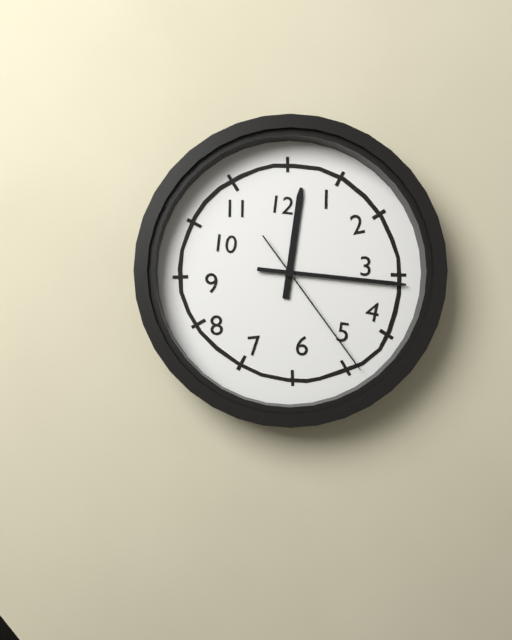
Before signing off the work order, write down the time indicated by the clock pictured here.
12:16:24
